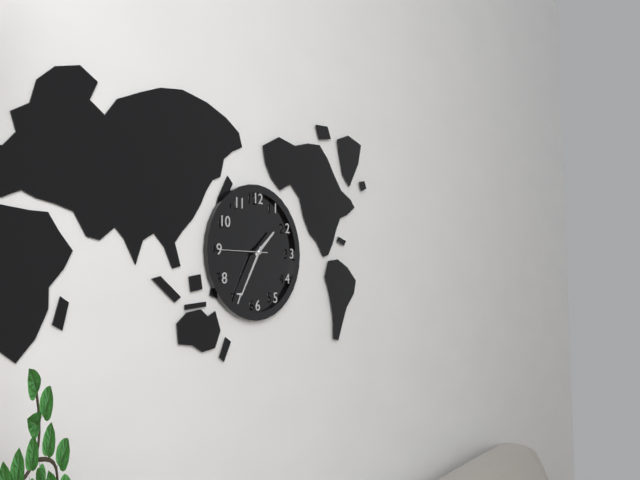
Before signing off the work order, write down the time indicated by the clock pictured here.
1:35:45
